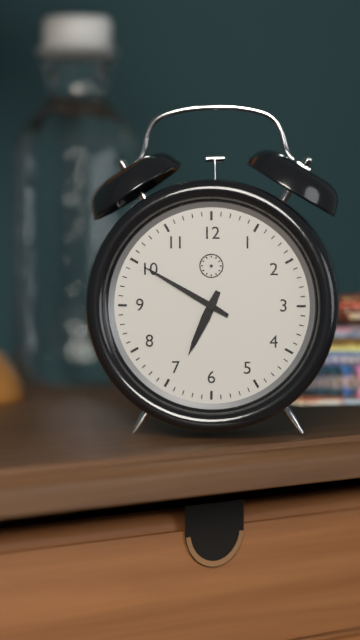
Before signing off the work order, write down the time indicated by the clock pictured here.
6:50
